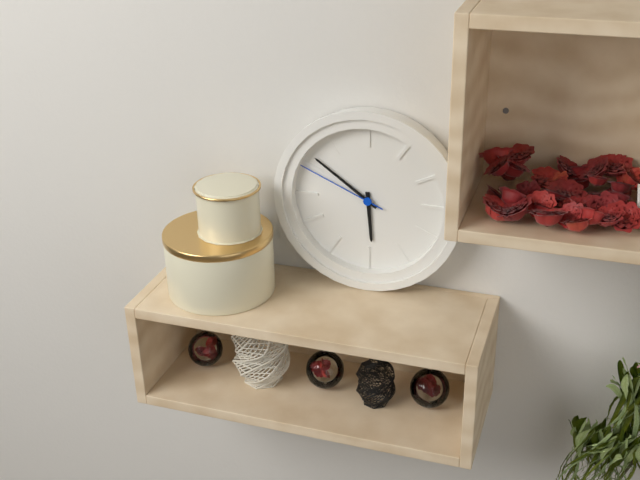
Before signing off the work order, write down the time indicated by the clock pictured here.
5:51:49
